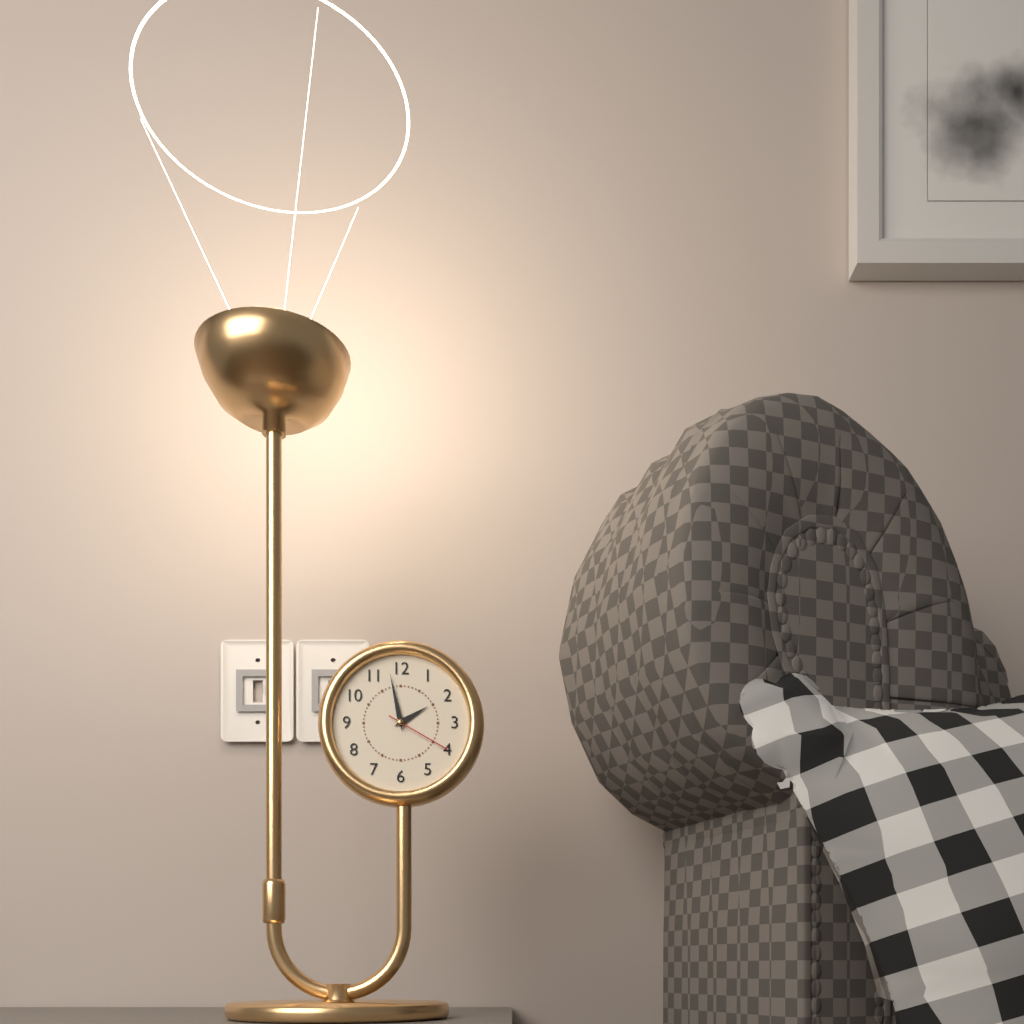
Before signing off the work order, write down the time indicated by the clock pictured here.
1:58:20
